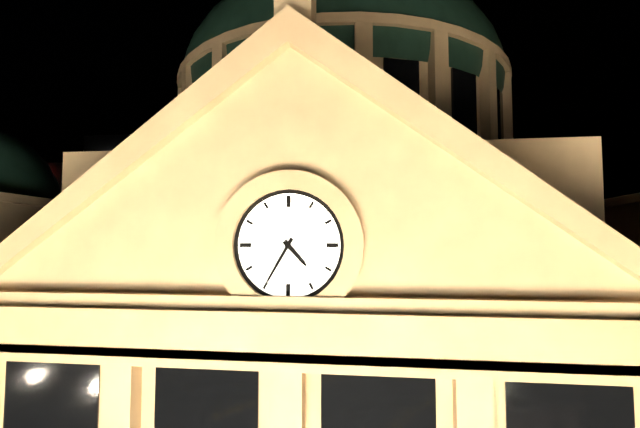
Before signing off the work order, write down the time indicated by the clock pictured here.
4:35
